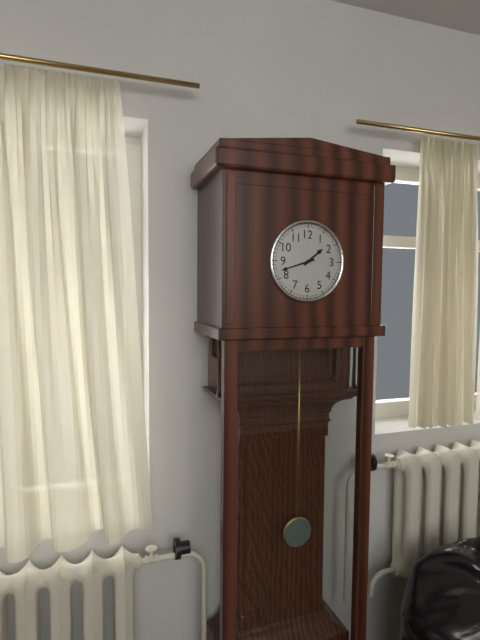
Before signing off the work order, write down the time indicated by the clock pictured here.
1:42
